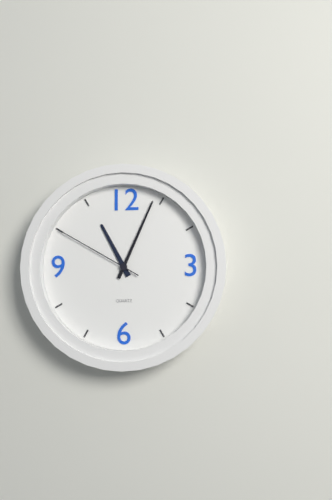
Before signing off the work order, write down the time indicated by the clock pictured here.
11:04:50
